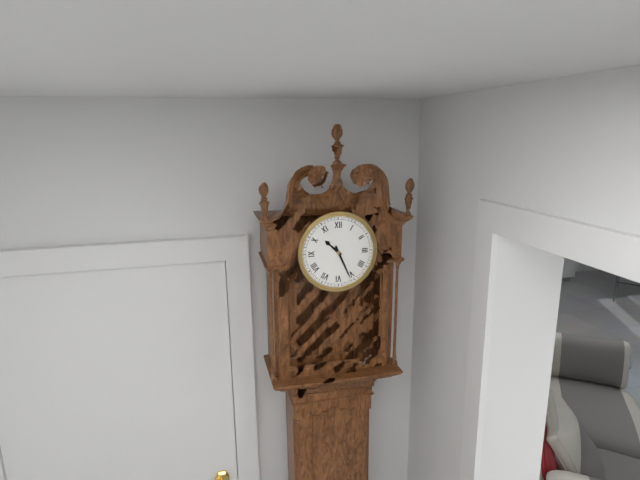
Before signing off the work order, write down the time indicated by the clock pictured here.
10:26
